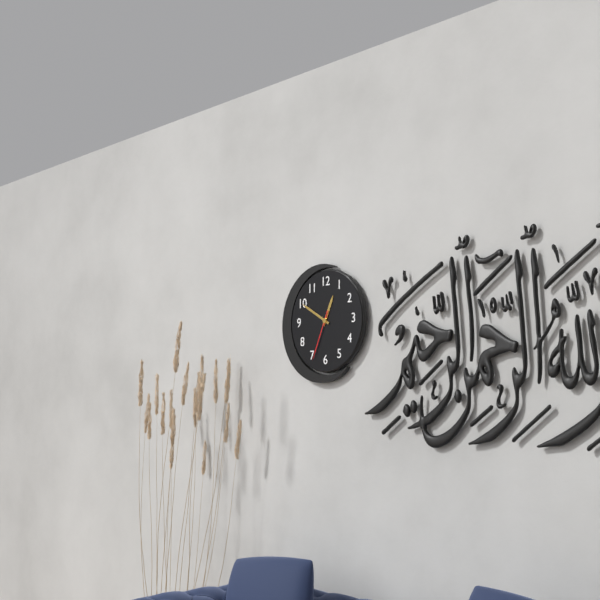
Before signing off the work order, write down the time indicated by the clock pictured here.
12:50:34
